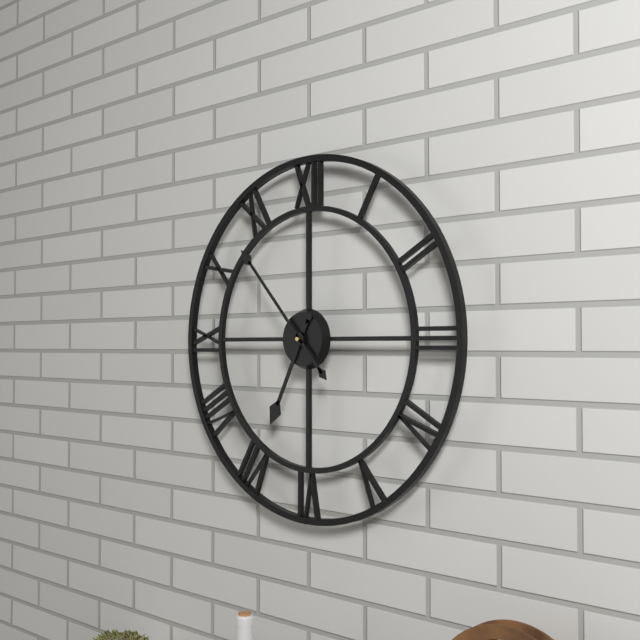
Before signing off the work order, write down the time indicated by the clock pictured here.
6:53
